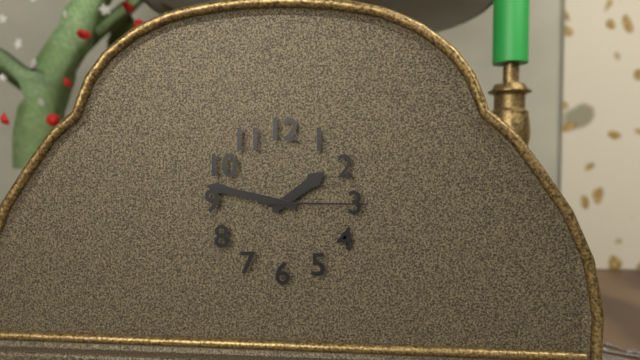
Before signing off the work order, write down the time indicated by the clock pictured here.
1:47:15
